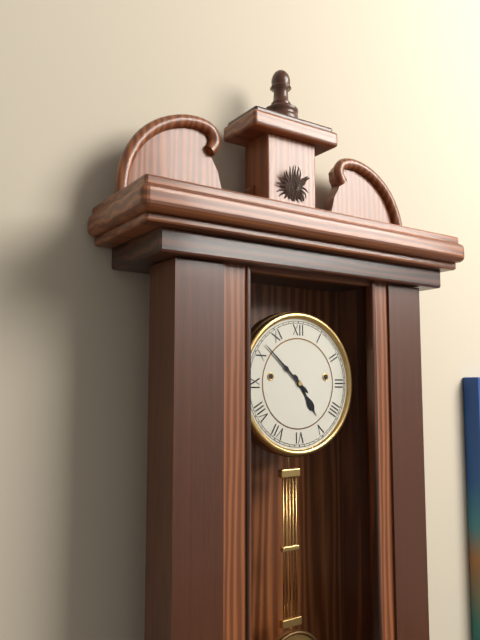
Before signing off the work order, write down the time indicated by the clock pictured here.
4:52
